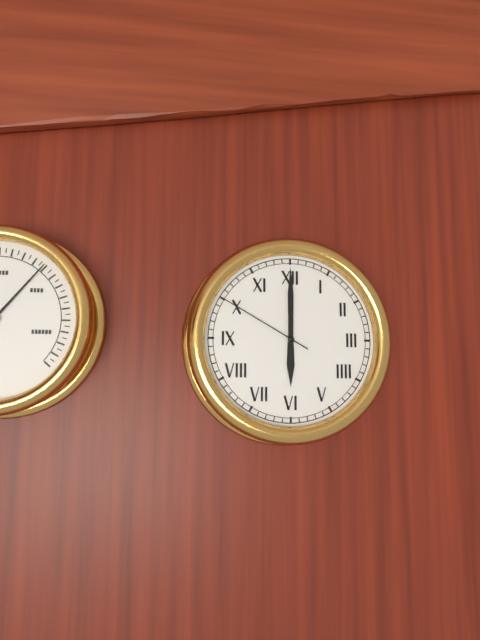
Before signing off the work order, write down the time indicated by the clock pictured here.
6:00:50
